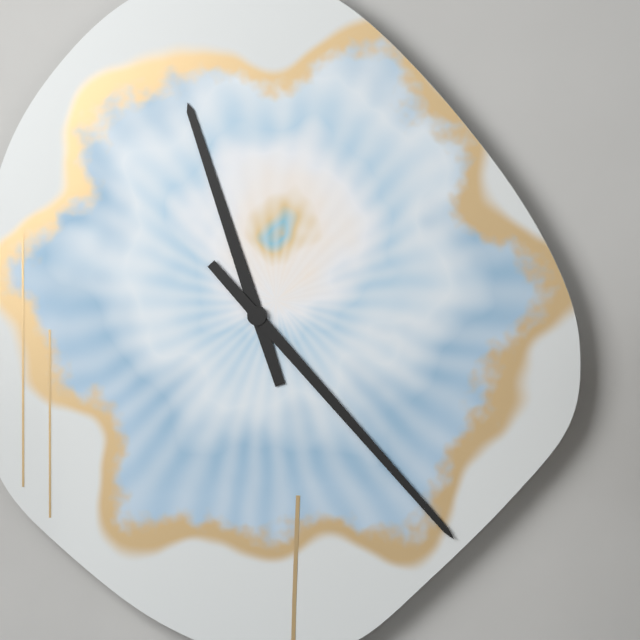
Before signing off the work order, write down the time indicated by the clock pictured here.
11:23
